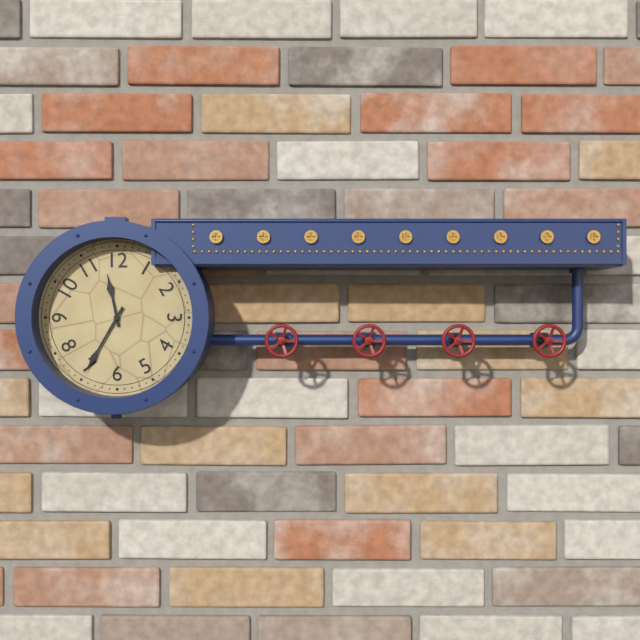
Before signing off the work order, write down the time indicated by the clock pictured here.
11:35
